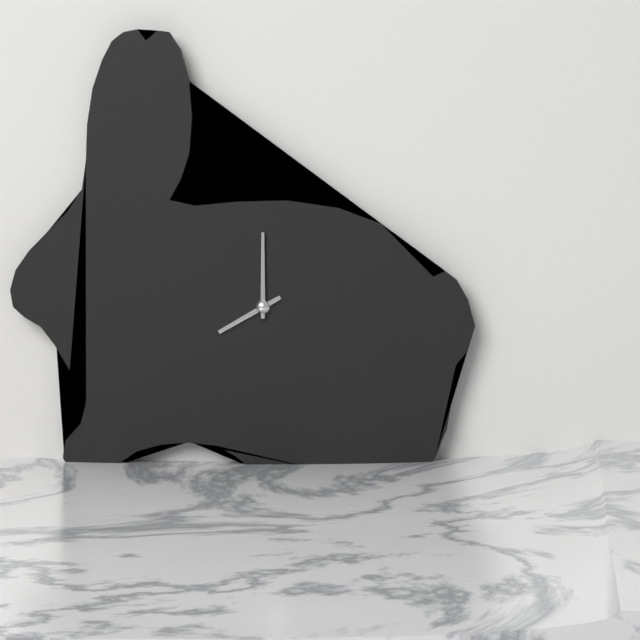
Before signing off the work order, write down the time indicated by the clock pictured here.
8:00
